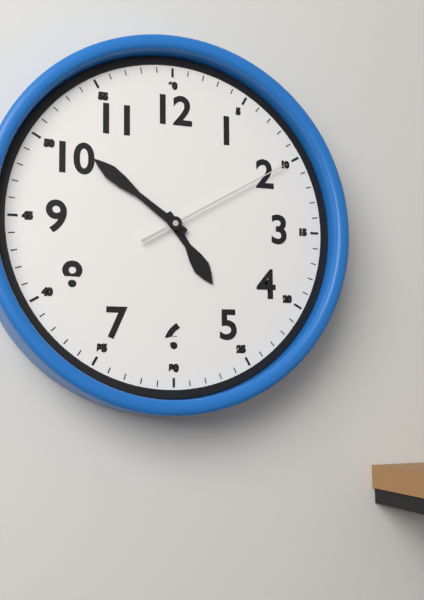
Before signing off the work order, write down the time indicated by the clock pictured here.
4:51:10
